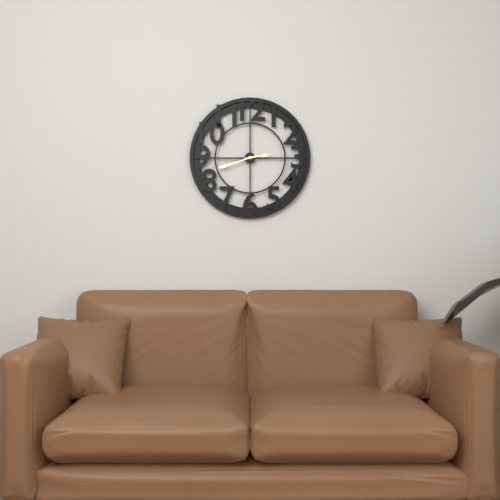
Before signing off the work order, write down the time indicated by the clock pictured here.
2:42
